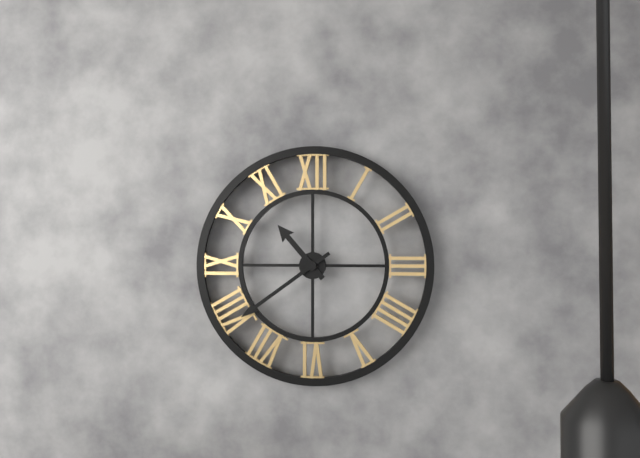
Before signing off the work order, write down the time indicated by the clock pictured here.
10:39
